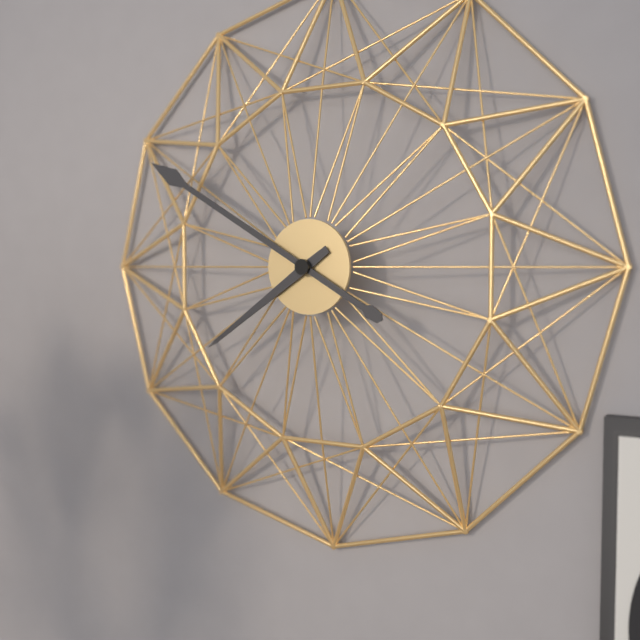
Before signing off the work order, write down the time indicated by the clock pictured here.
7:50
